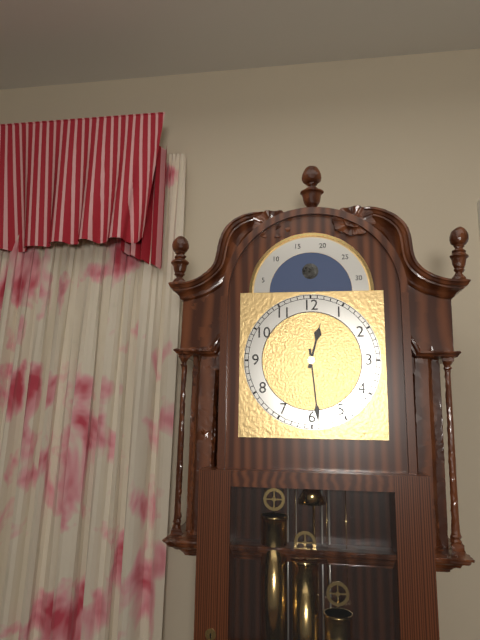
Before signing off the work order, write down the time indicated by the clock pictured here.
12:29
